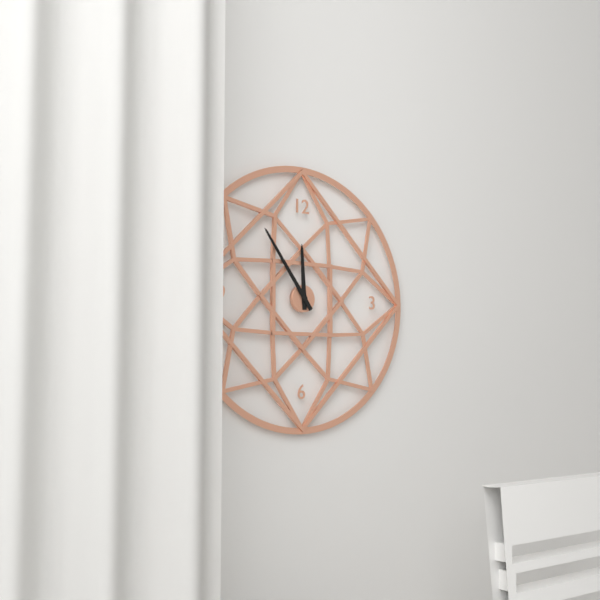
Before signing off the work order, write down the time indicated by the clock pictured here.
11:54
